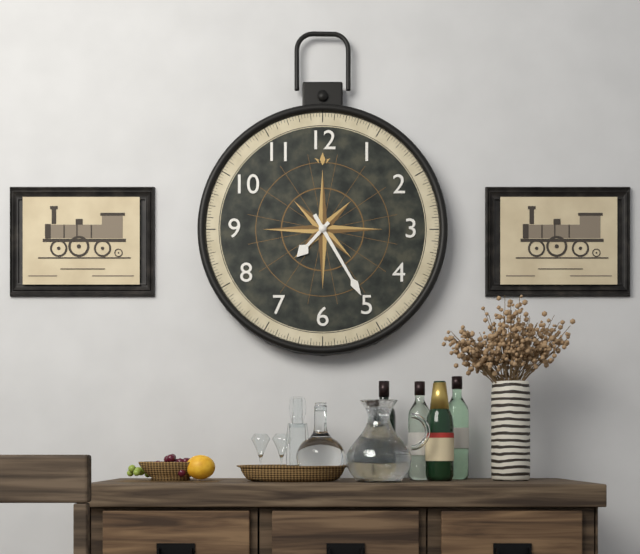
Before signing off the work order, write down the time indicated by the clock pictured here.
7:25
